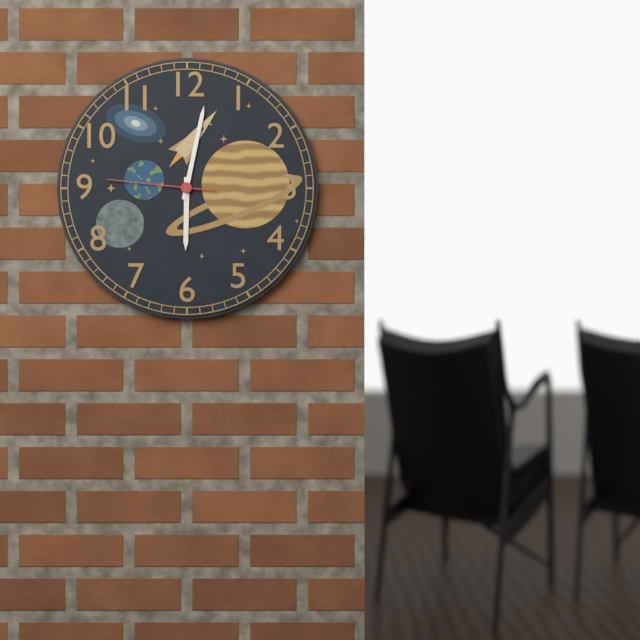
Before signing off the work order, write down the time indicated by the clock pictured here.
6:02:46
